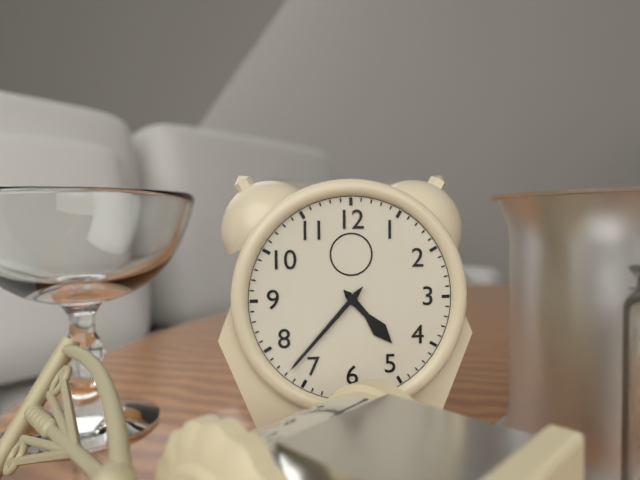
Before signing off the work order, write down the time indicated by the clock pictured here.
4:37
